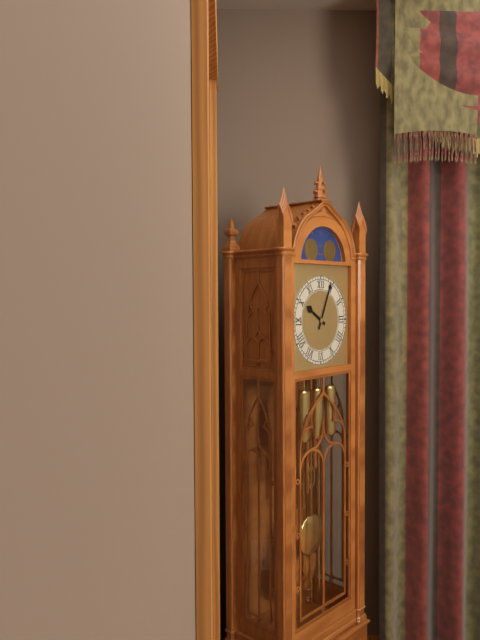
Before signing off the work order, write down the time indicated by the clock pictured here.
10:04
